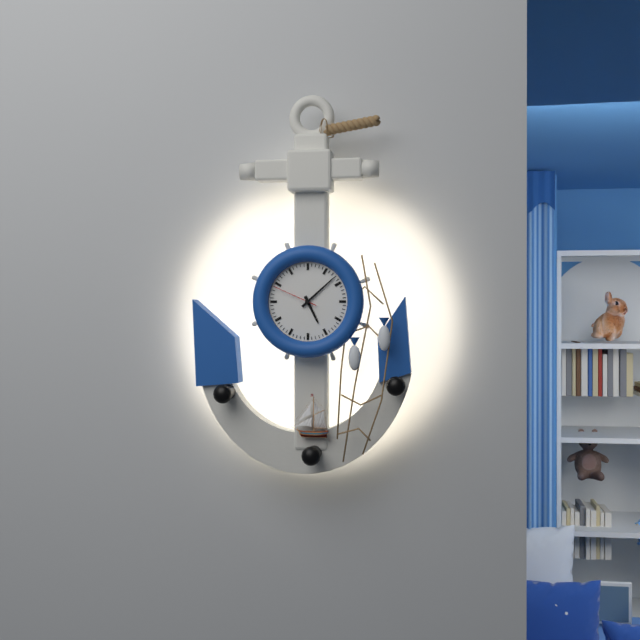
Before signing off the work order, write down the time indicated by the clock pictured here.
5:08
